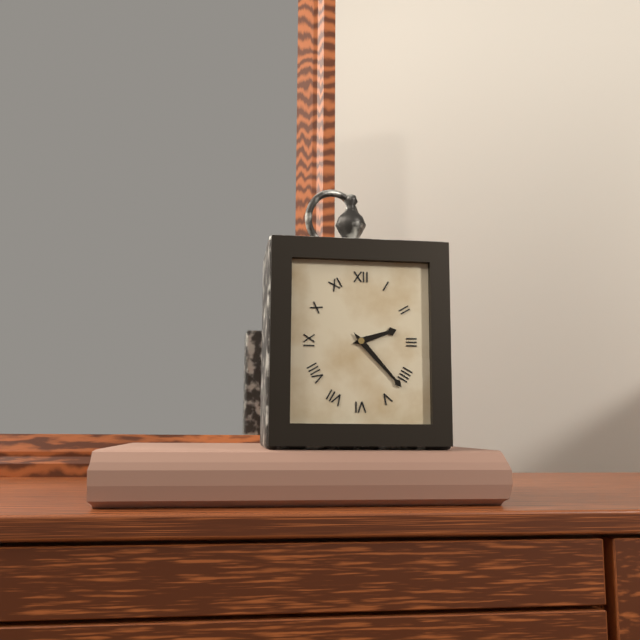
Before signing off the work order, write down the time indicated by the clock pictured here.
2:23
